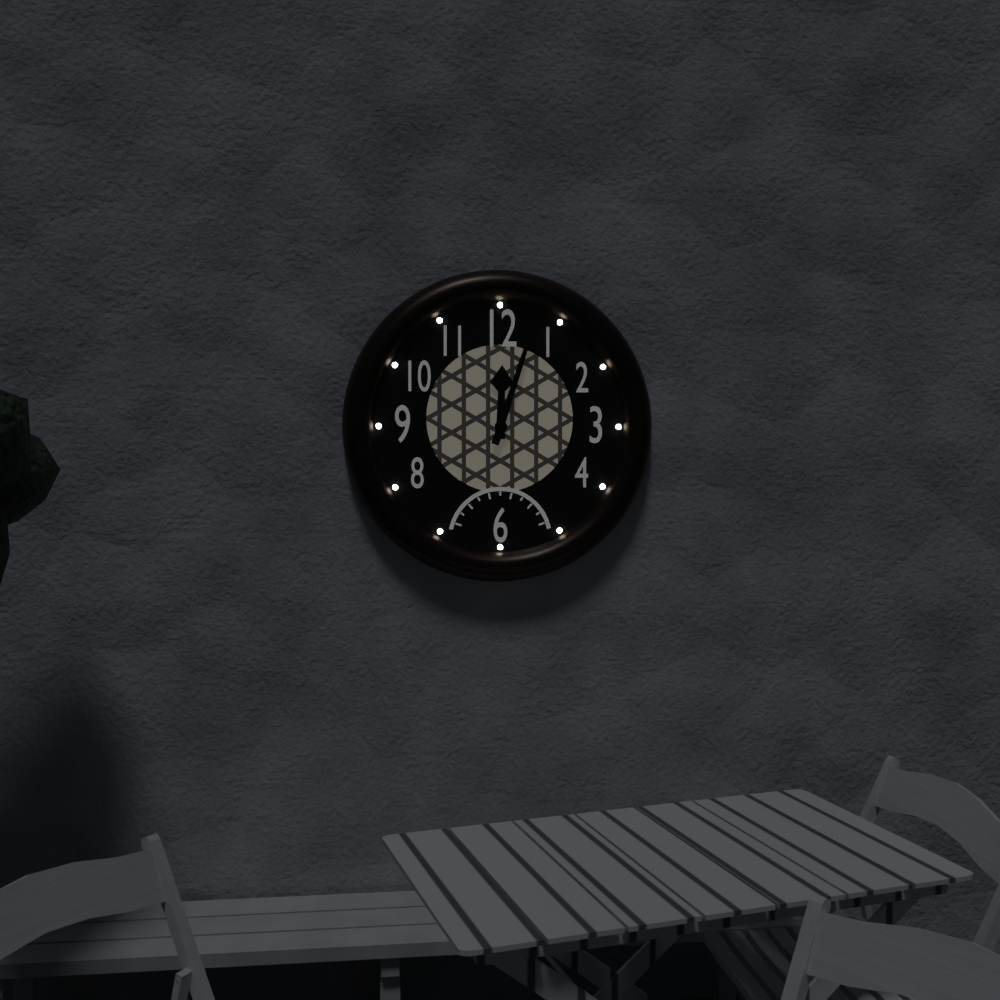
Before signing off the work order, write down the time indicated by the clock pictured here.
12:03
